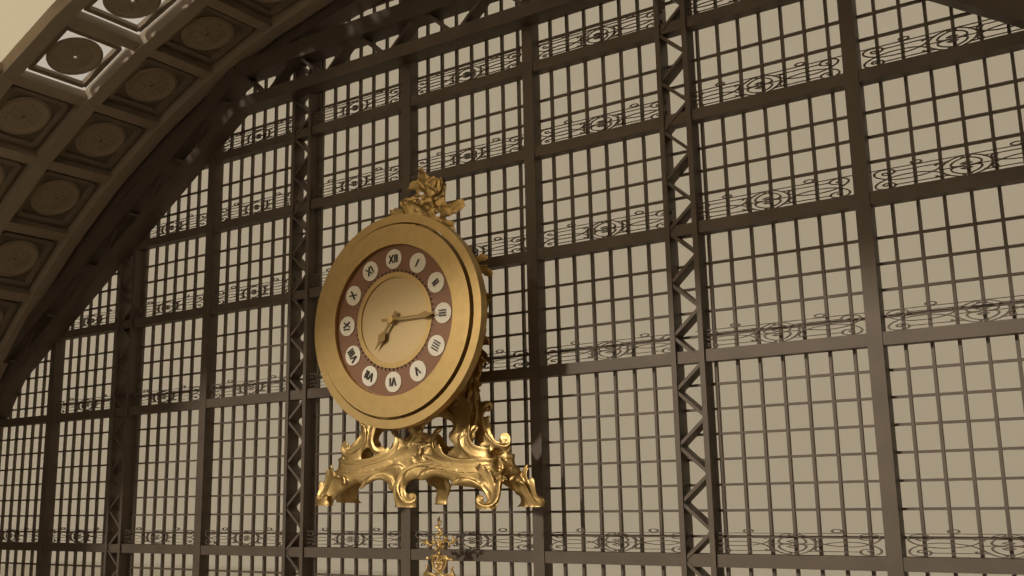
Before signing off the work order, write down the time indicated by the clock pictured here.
7:15
